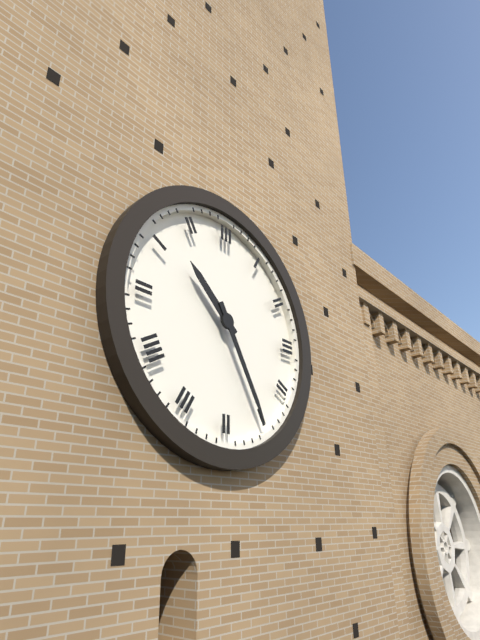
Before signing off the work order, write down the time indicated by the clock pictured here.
10:25
